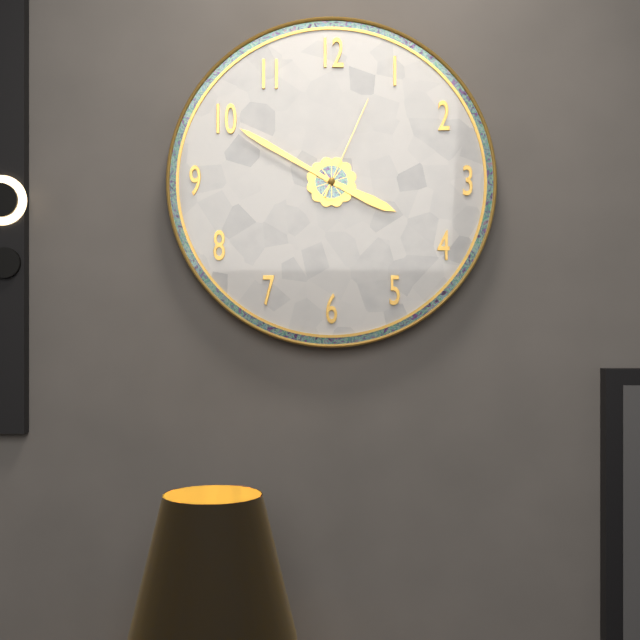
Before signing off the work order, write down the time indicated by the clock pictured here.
3:50:04
